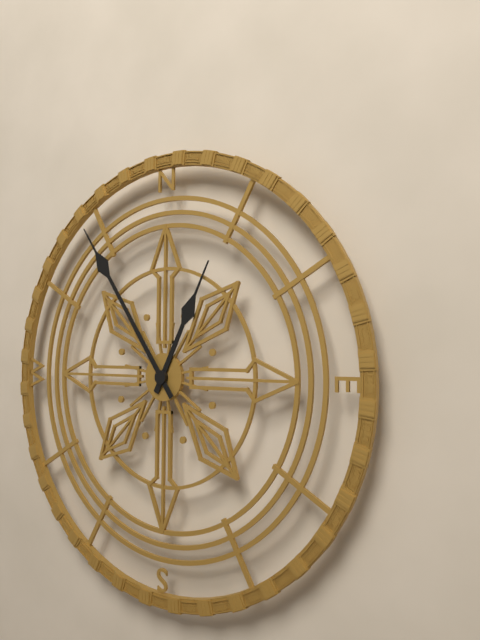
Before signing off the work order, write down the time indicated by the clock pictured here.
12:54
